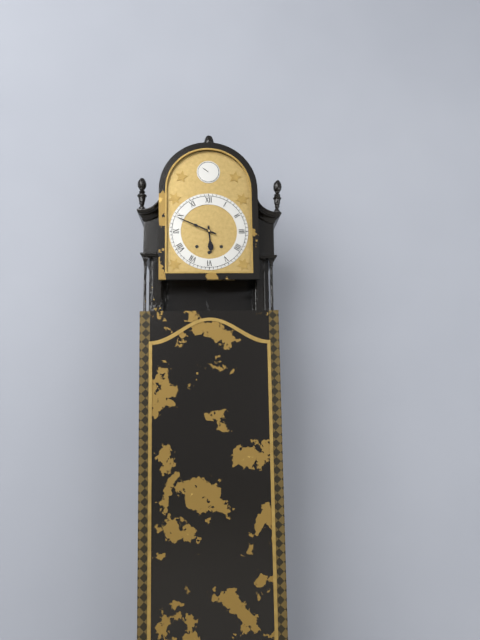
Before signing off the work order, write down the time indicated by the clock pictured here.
5:49
